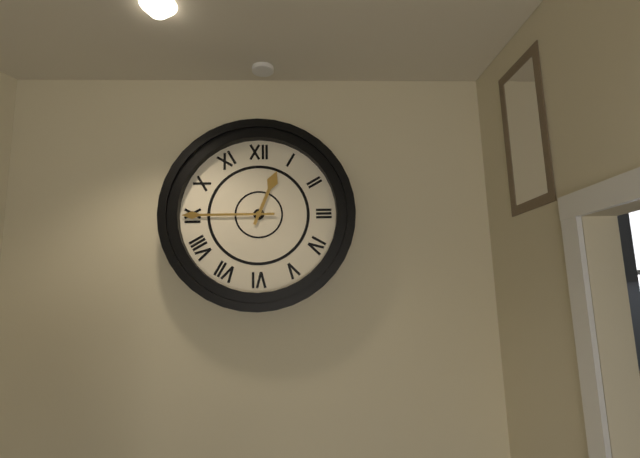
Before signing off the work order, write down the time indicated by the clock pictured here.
12:45
